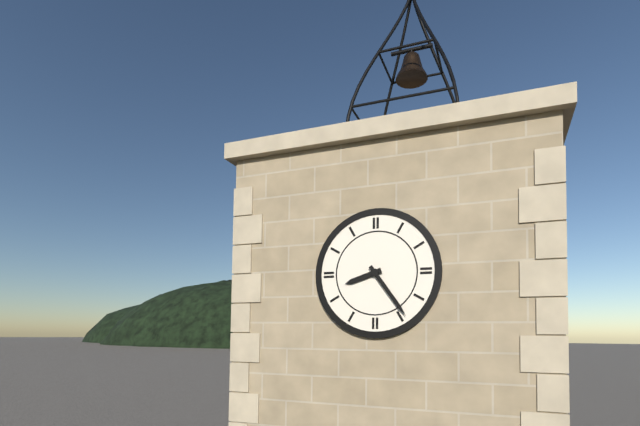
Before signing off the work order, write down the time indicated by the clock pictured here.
8:24
